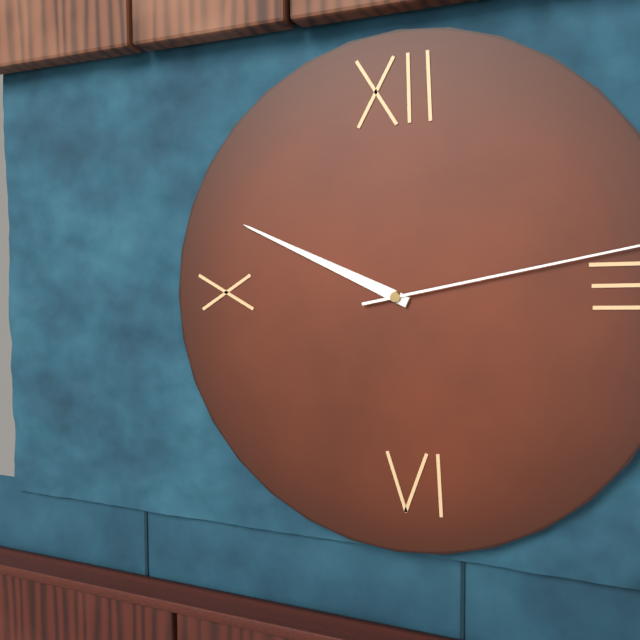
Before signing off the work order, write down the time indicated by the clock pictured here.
9:49:13
